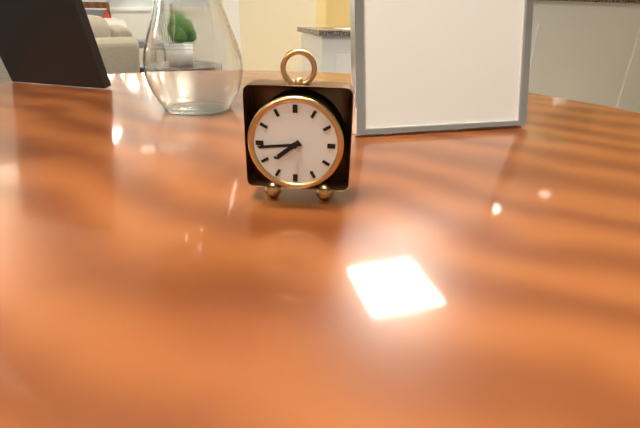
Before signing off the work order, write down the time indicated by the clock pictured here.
7:44
